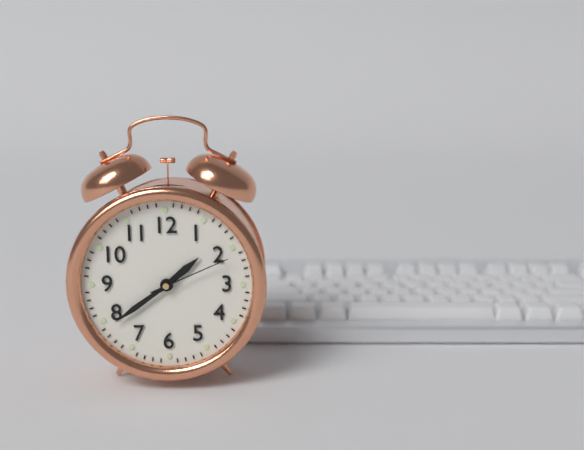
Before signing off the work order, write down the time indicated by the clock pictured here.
1:39:11
